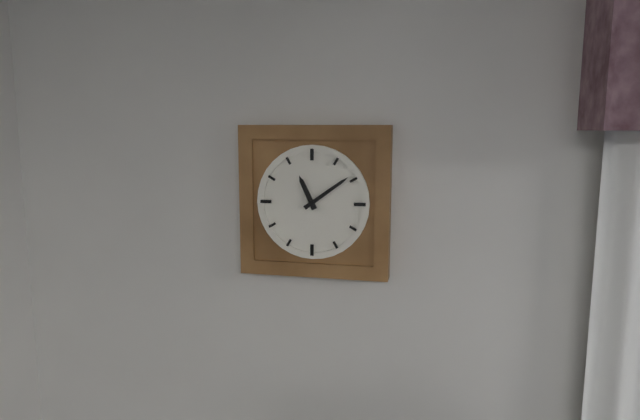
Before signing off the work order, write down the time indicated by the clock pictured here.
11:09
